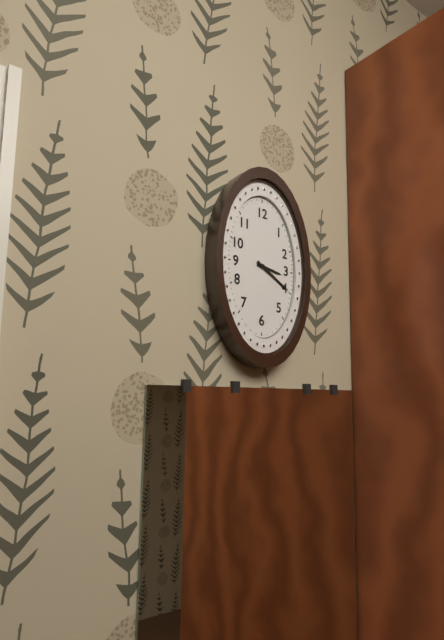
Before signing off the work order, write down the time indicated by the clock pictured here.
3:20
